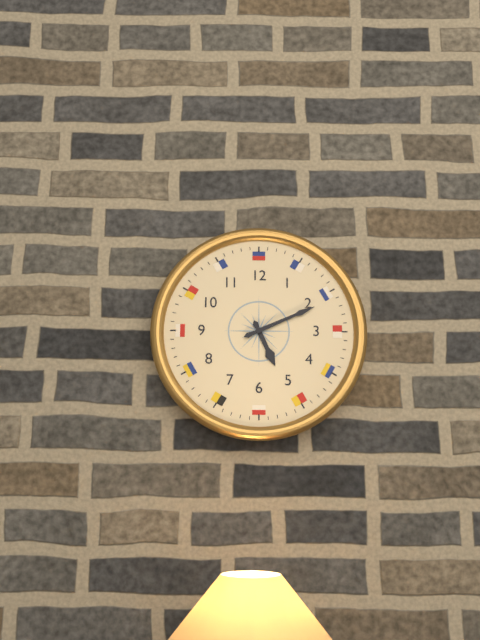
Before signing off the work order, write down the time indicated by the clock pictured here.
5:11
